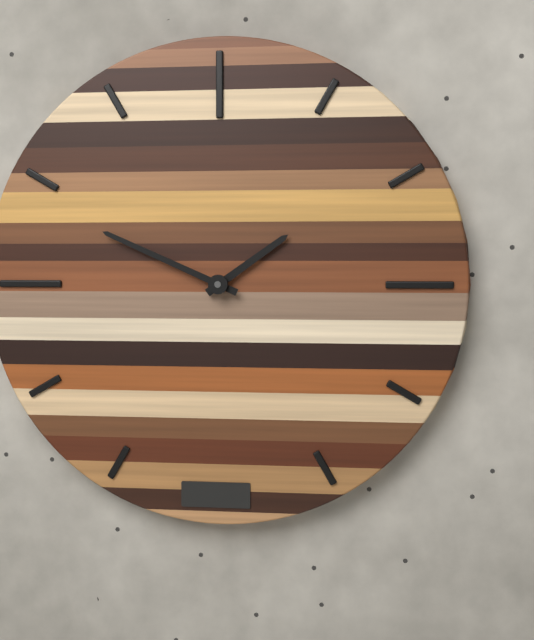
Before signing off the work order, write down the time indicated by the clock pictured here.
1:49
